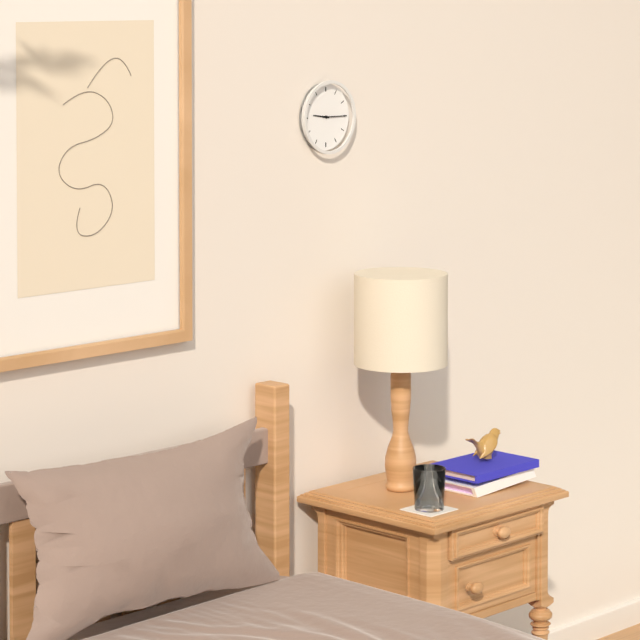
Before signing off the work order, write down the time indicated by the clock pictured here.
9:15
